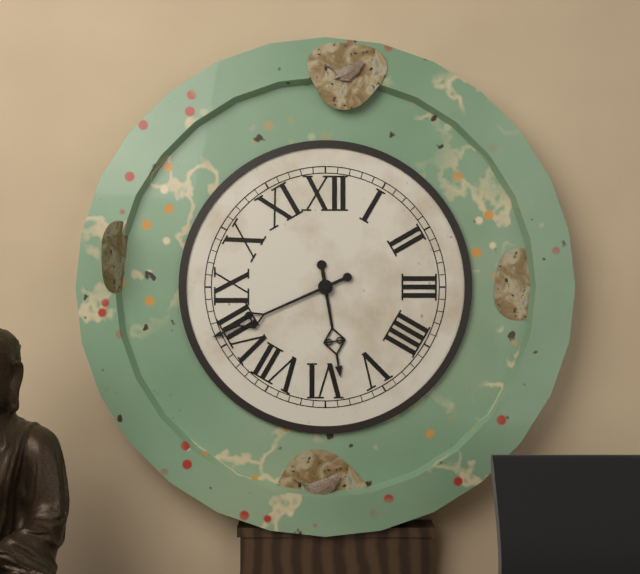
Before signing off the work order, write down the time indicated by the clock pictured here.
5:41
